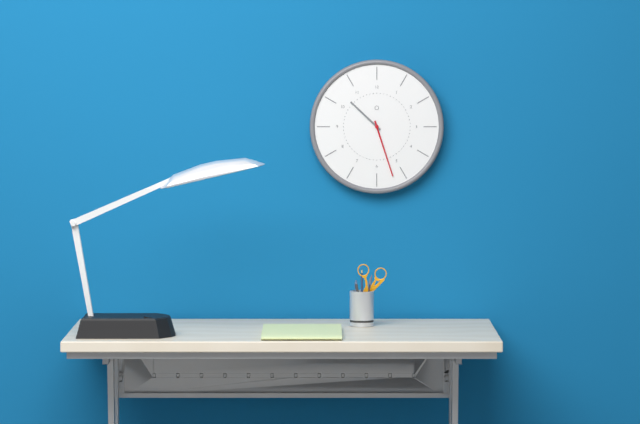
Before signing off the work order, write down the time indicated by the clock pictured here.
10:27
